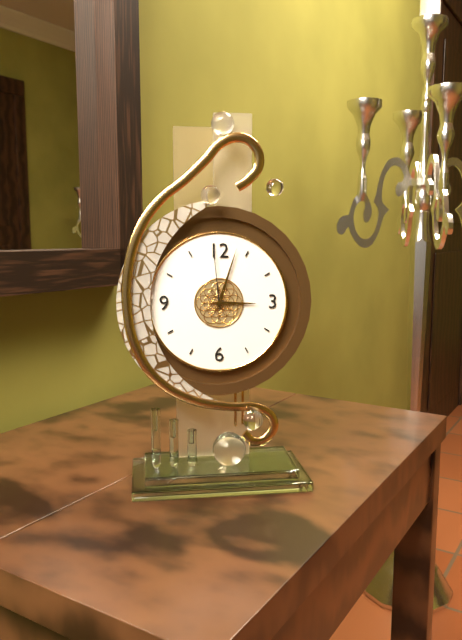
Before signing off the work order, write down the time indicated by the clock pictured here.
3:03:59
